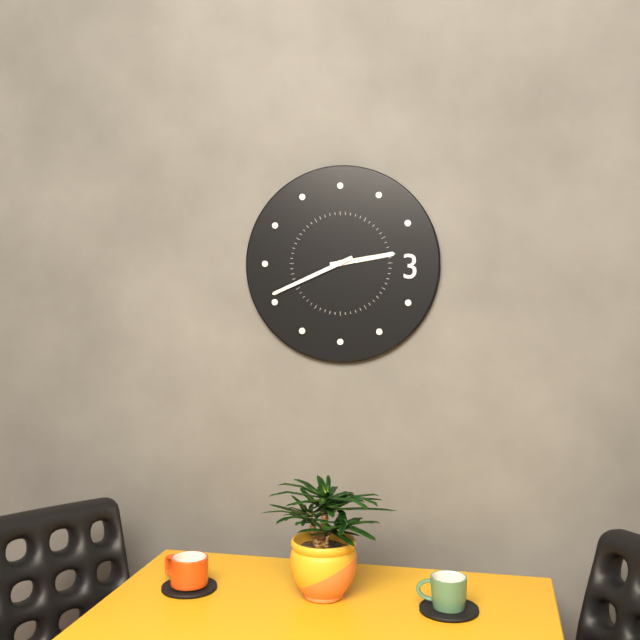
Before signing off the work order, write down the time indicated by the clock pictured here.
2:41
